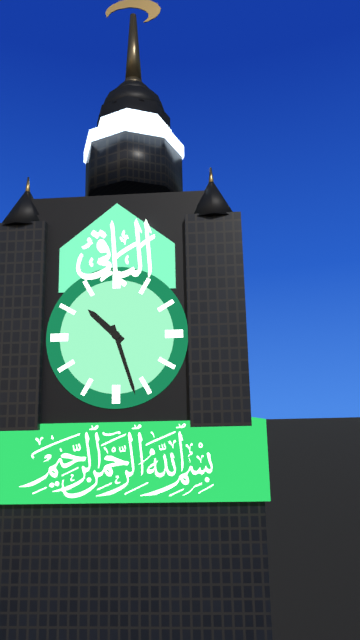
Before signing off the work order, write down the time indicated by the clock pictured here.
10:27
